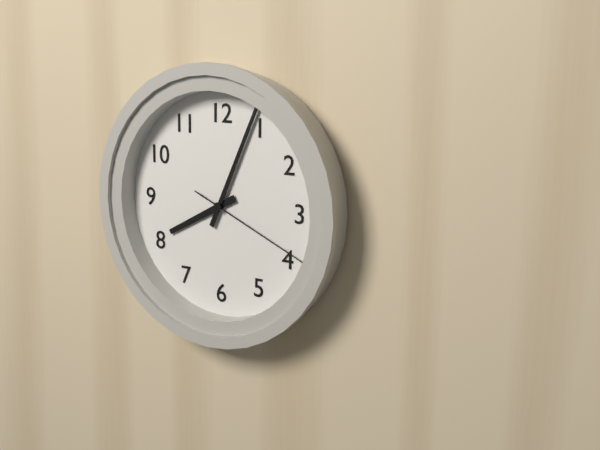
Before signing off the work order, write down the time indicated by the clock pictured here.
8:04:19
